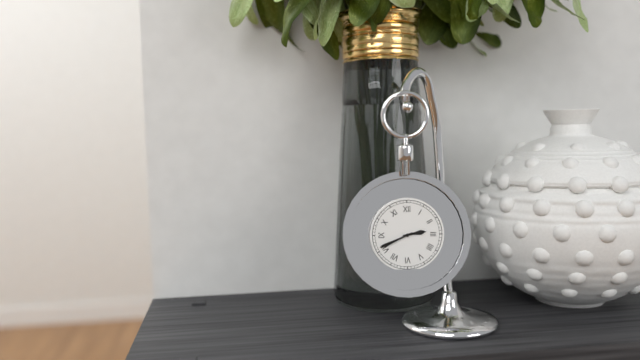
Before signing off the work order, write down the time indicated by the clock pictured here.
2:41
